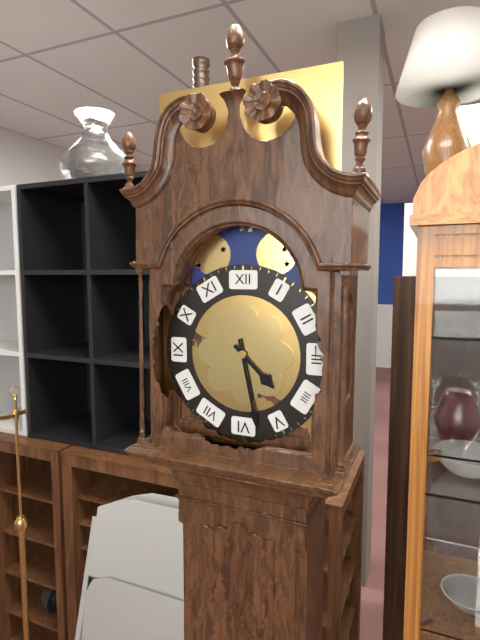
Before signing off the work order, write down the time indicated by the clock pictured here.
4:28
